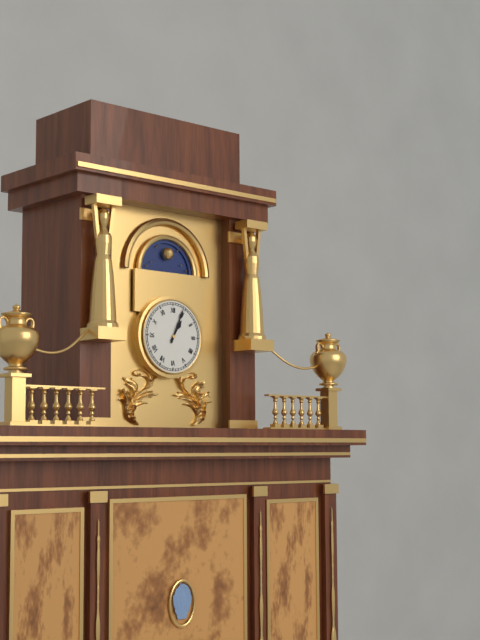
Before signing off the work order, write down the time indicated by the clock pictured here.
1:04
